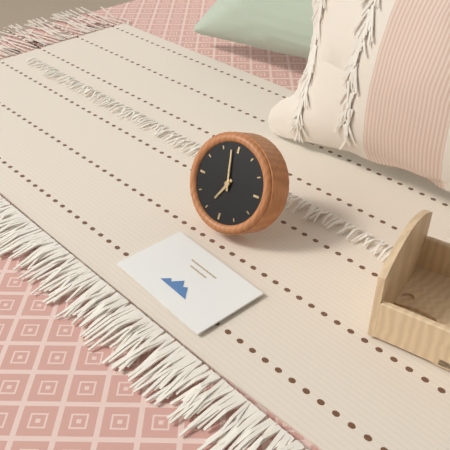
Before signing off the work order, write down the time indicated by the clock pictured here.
6:58
